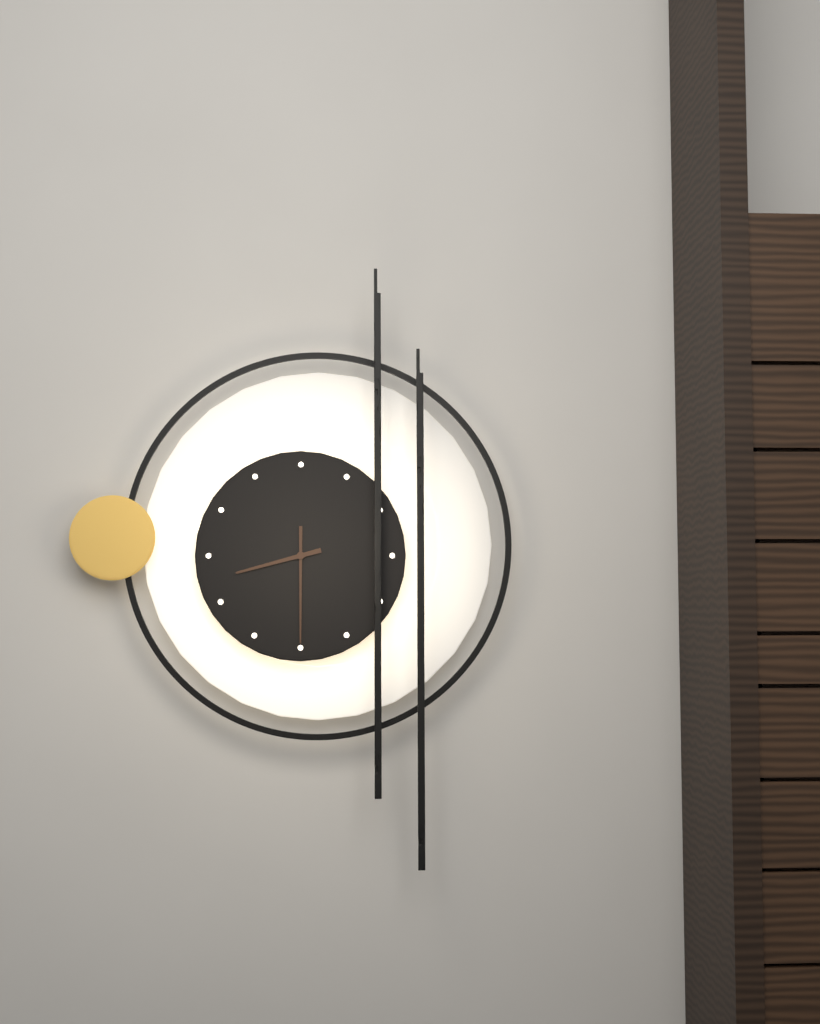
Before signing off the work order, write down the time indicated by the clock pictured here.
8:30
